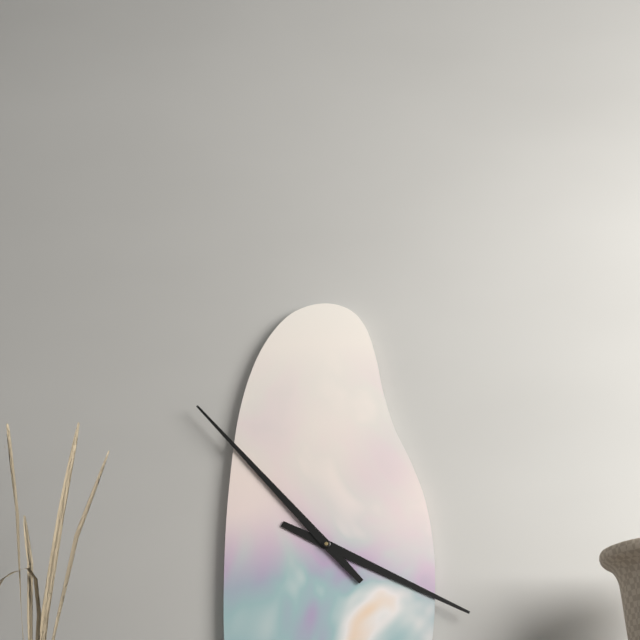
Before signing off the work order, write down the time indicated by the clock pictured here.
3:53
